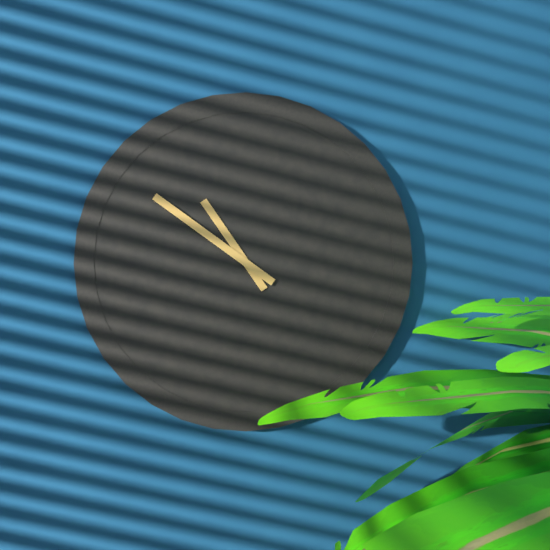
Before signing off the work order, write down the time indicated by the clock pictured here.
10:51
